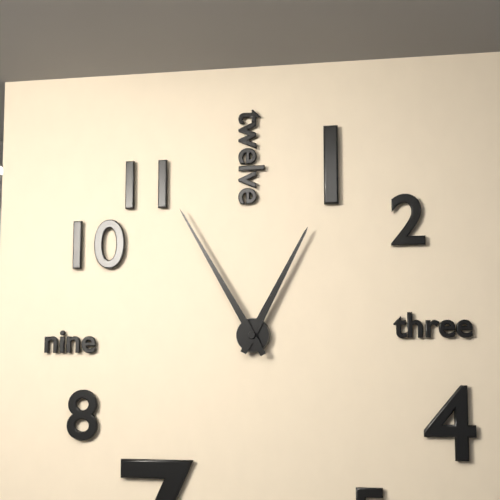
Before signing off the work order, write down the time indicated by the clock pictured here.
12:55
